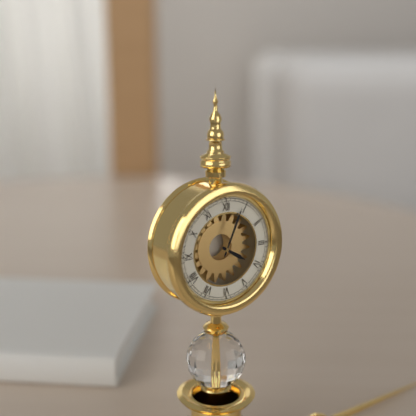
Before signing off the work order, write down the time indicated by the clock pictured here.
4:04
